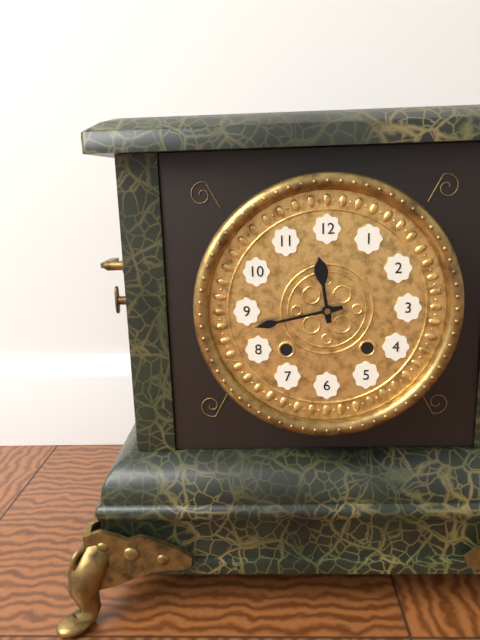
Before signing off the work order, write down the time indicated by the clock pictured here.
11:43
